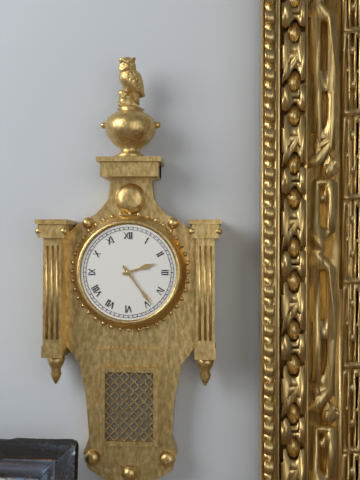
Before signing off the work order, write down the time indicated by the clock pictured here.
2:24
